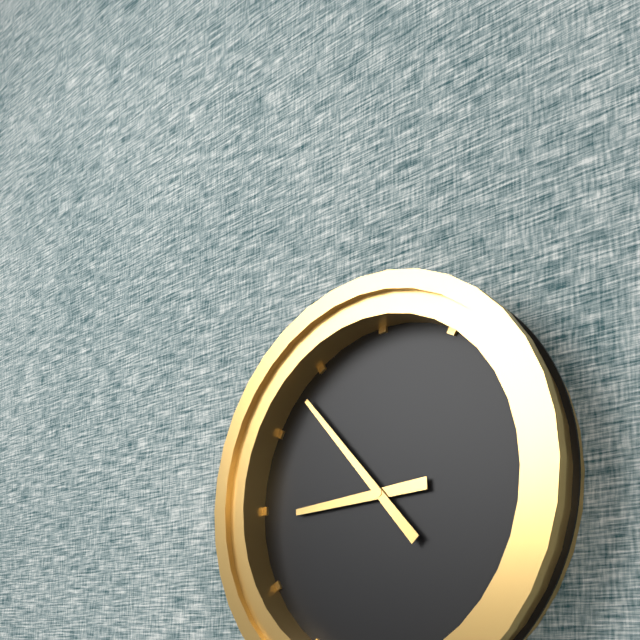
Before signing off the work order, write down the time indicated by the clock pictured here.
8:53
